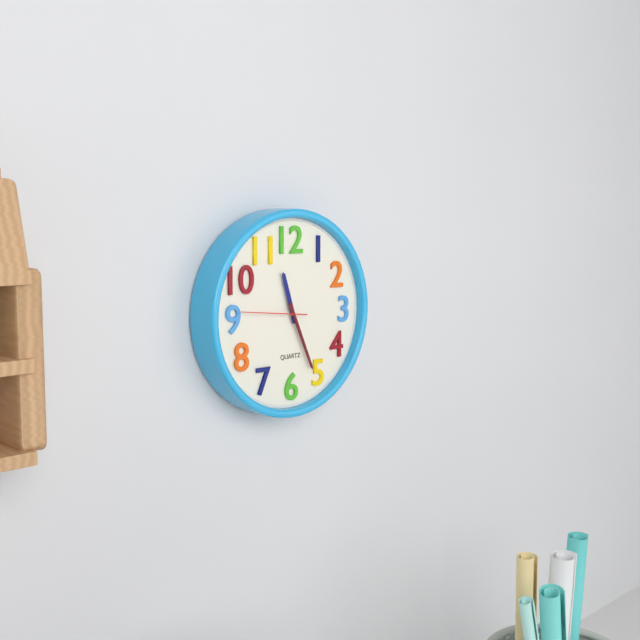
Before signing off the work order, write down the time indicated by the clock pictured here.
11:26:46
